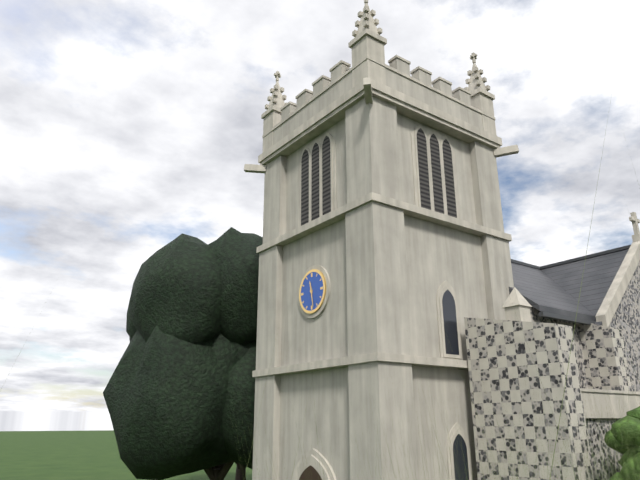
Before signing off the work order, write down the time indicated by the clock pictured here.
11:28
